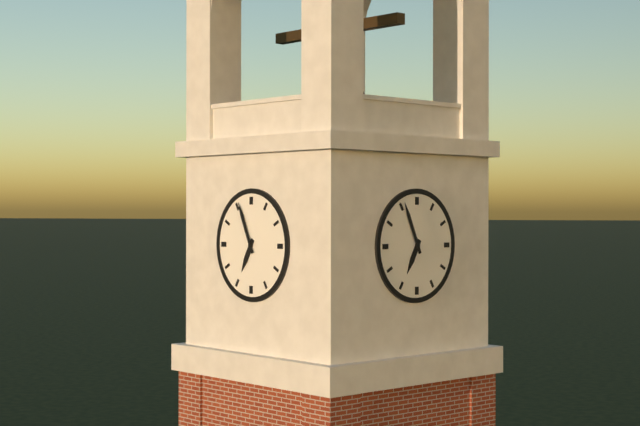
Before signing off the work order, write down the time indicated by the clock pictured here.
6:56
